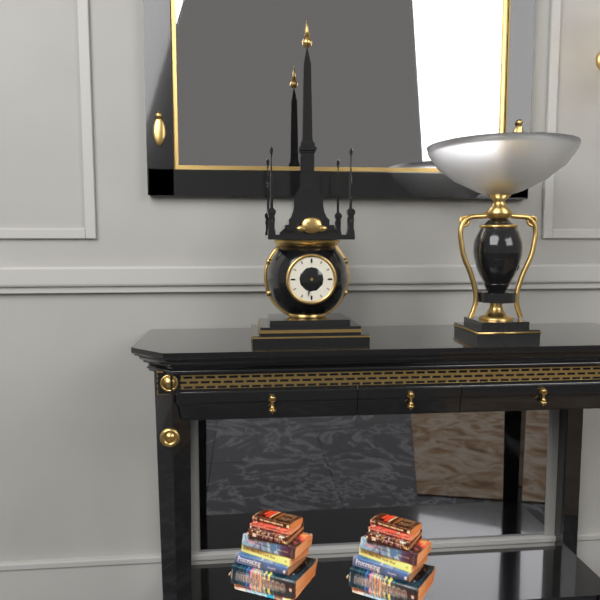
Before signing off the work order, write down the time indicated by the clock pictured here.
3:32
